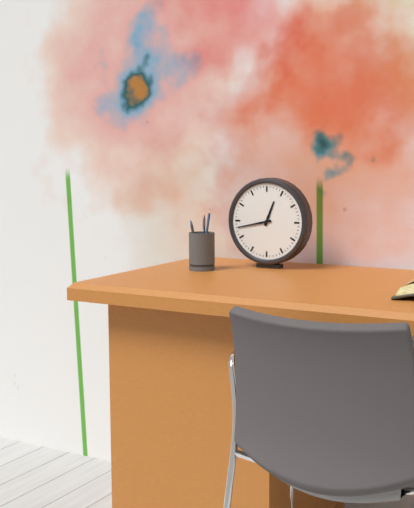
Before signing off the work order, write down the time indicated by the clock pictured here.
12:43
